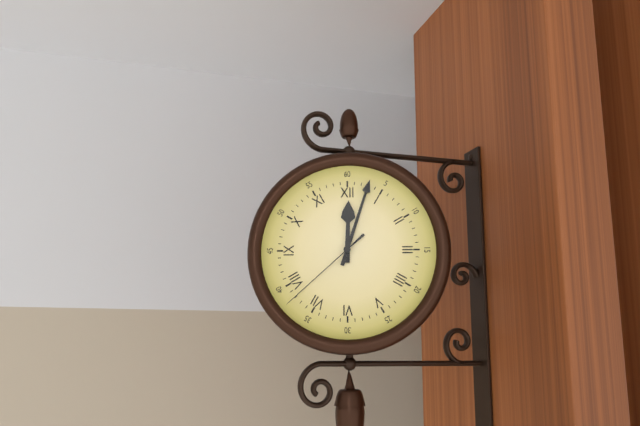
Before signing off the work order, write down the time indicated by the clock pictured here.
12:03:38
